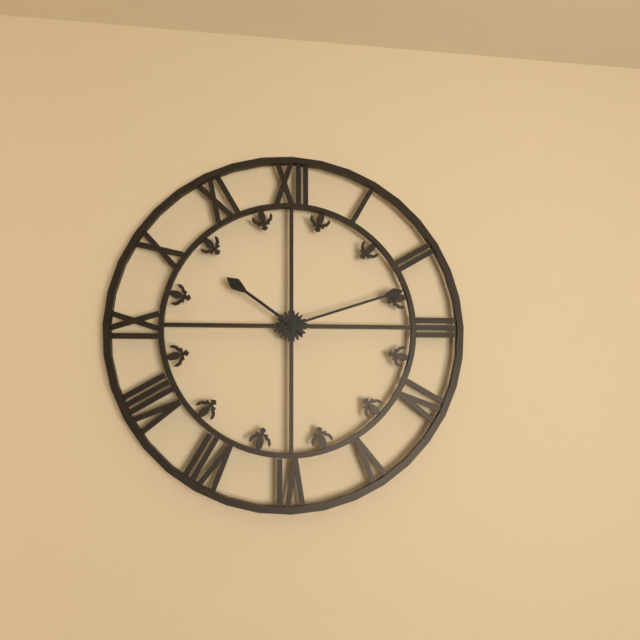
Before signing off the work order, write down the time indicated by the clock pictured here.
10:12
